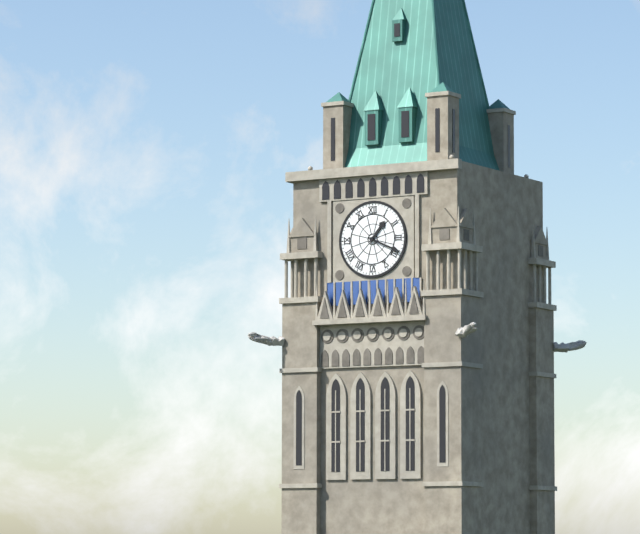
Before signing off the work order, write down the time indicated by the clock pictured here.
1:19
